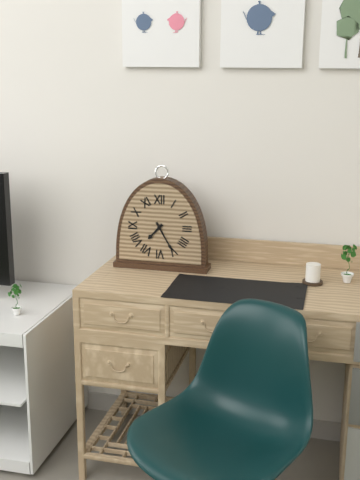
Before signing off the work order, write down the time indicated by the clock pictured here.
7:25
